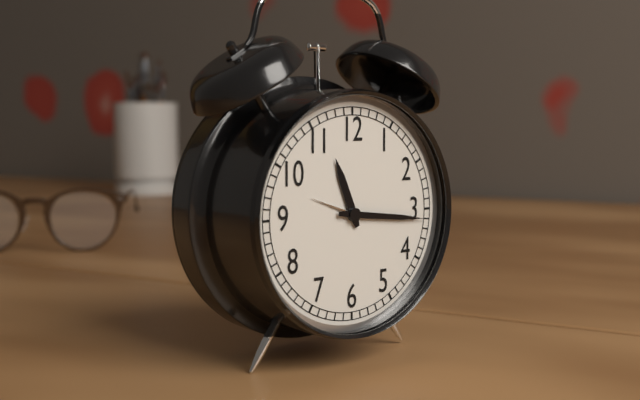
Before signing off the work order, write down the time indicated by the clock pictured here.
11:16
